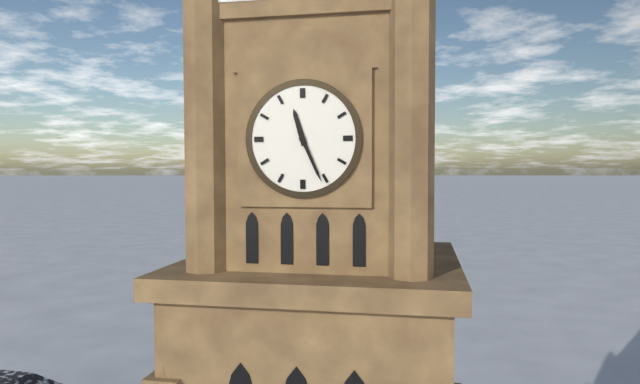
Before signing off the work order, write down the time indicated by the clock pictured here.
11:26
